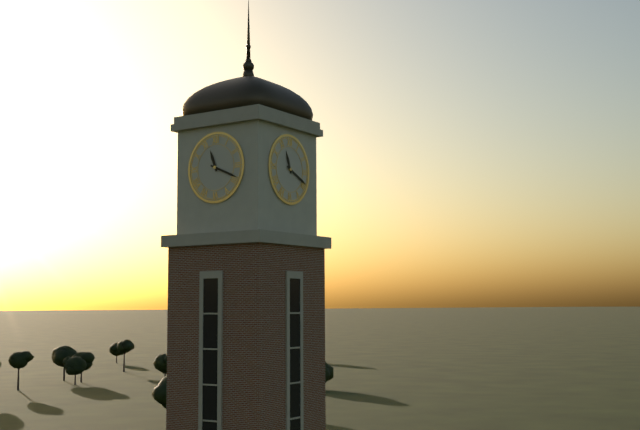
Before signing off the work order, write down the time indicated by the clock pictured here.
11:19
